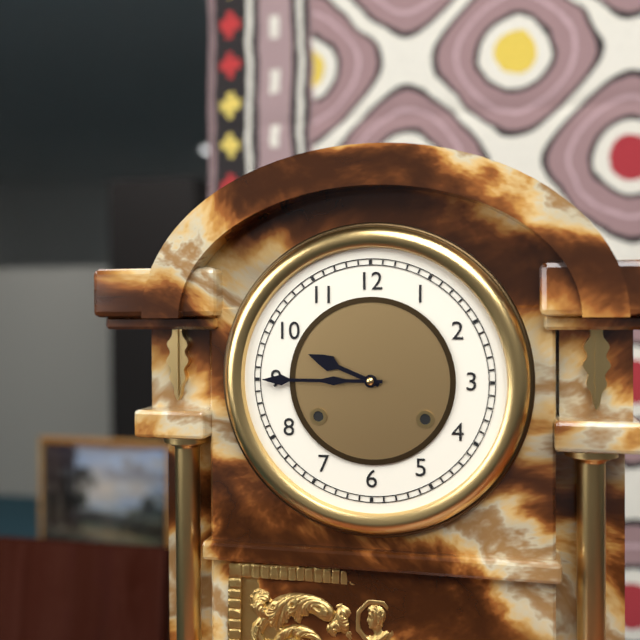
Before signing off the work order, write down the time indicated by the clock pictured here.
9:45
